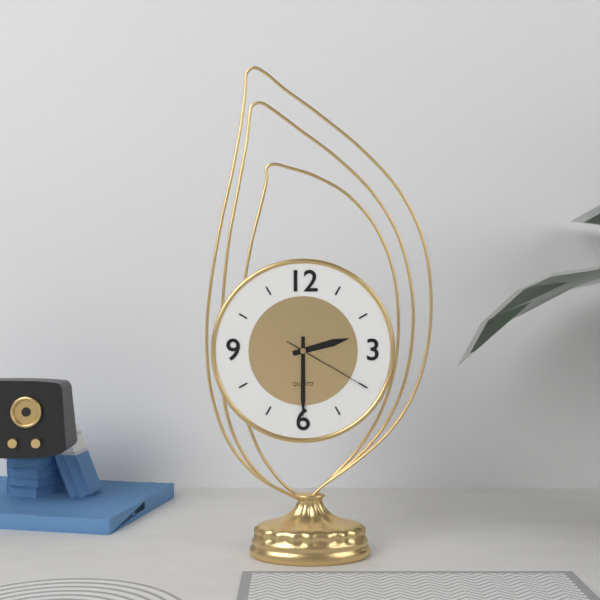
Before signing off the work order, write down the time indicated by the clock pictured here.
2:30:20
